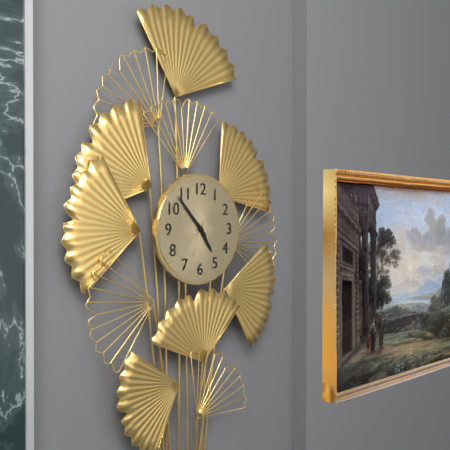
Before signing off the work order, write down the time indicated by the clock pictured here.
4:53
